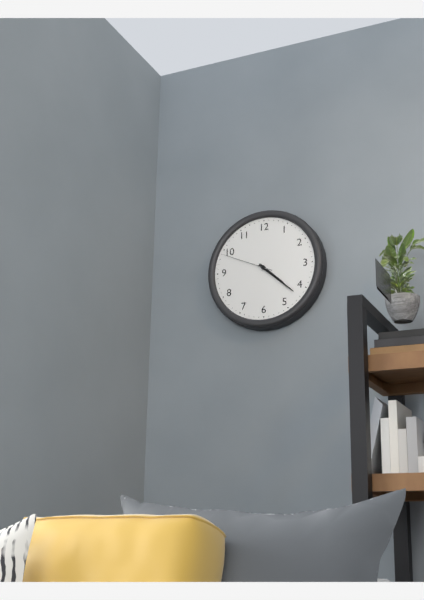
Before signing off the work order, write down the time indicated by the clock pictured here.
4:22:49
